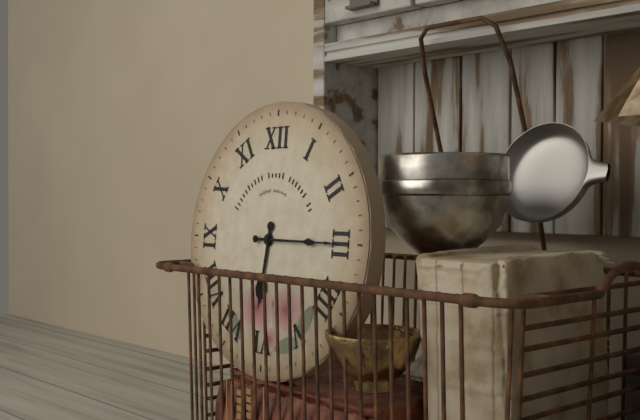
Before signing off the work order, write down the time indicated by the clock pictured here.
6:15
